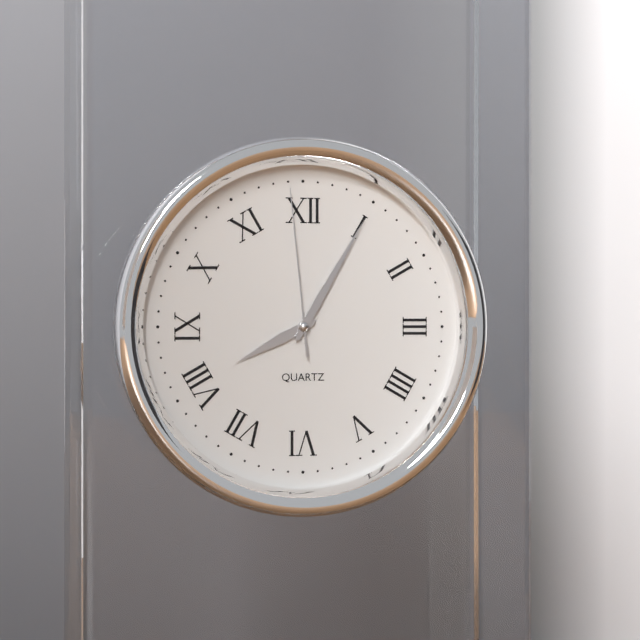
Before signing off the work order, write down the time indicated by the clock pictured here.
8:05:59
